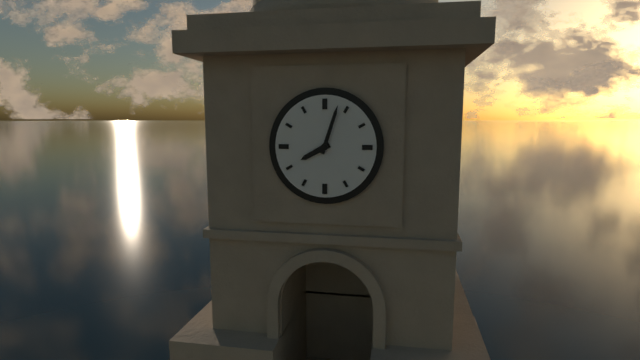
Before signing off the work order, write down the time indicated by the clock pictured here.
8:03
